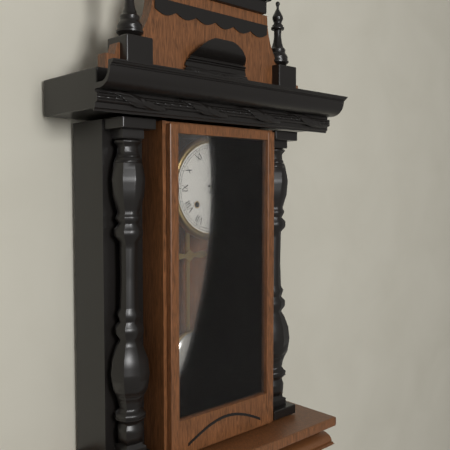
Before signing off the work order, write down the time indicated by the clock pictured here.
1:19
